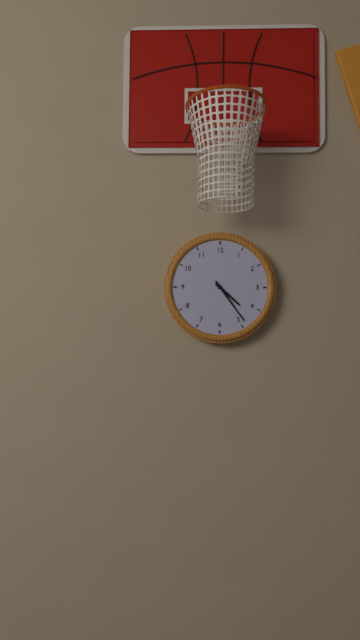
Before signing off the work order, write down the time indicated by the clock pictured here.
4:24
